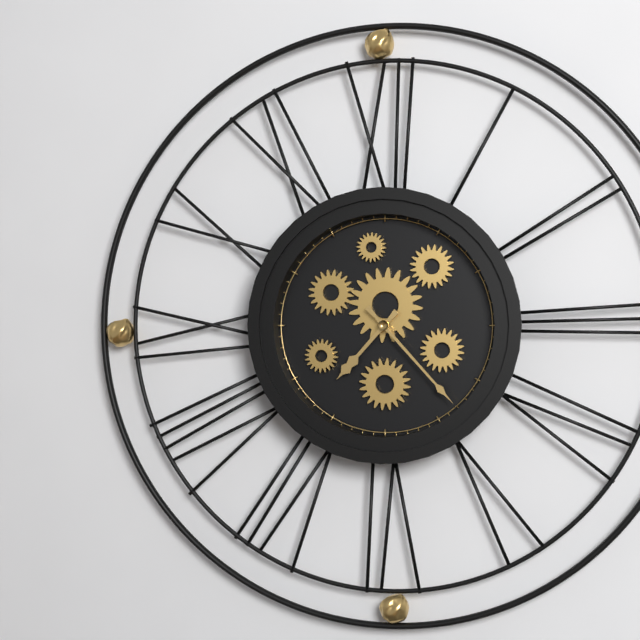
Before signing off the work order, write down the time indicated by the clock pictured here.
7:23
